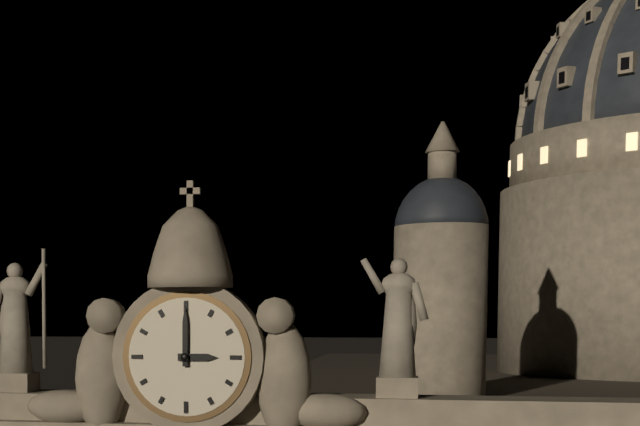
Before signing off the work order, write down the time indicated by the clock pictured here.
3:00
